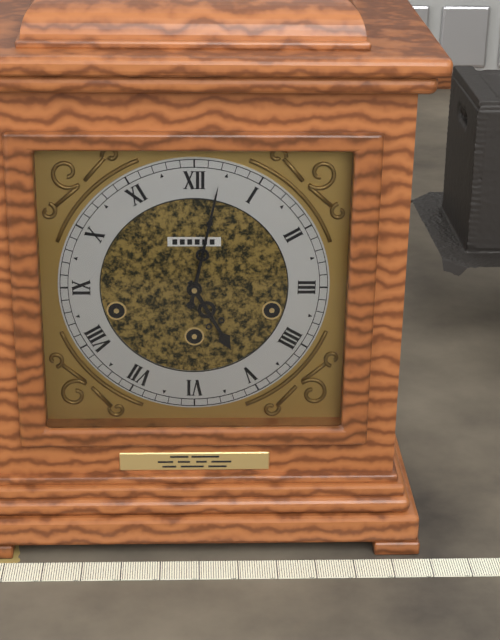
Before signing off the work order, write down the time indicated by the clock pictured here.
5:02
